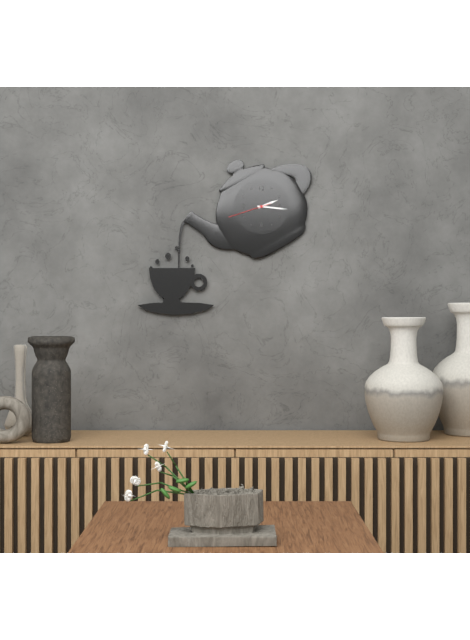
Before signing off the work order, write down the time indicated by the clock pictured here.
2:16
